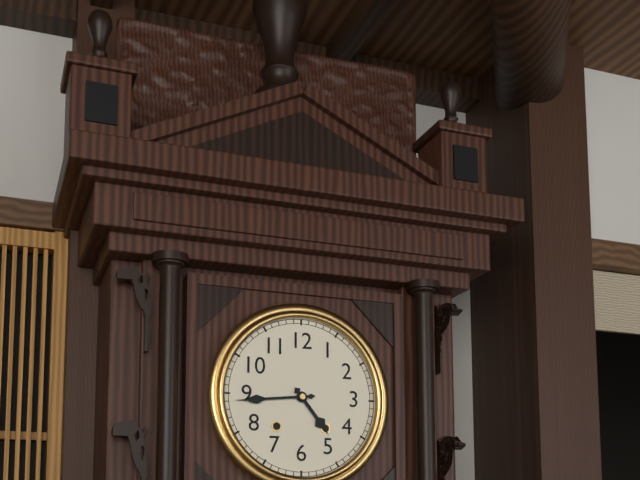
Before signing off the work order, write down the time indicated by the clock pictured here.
4:44
